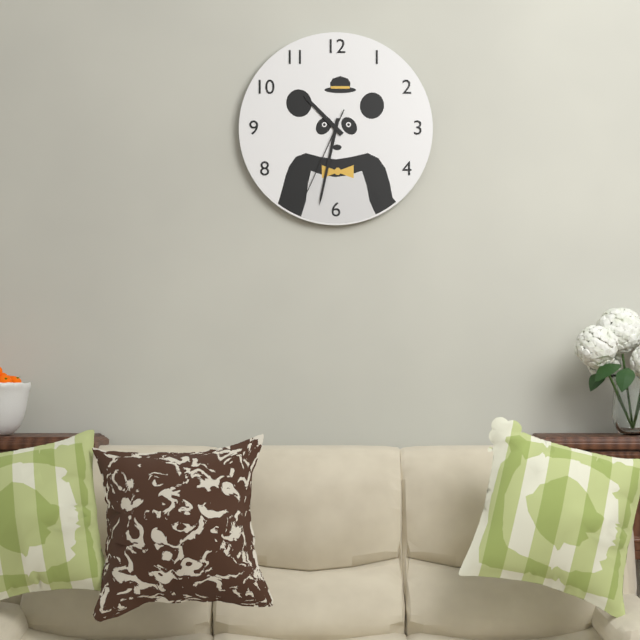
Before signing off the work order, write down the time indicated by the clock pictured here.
10:32:34
